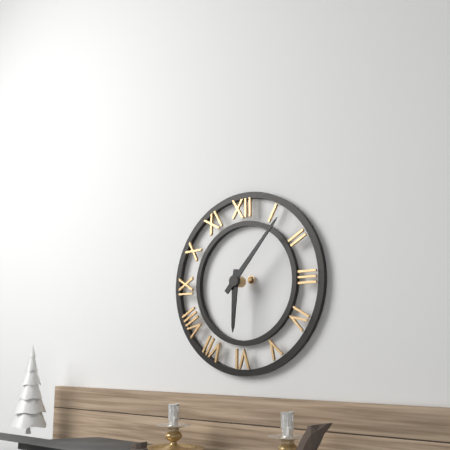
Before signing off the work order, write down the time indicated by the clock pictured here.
6:07
